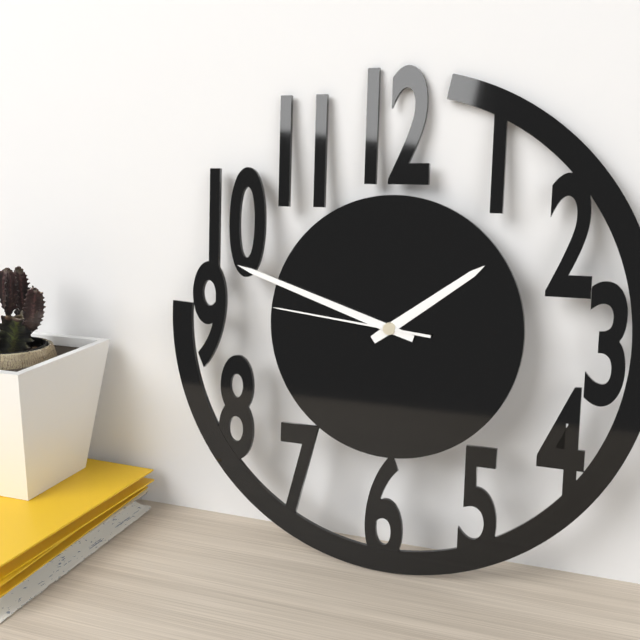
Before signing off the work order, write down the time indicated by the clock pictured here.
1:48:46
